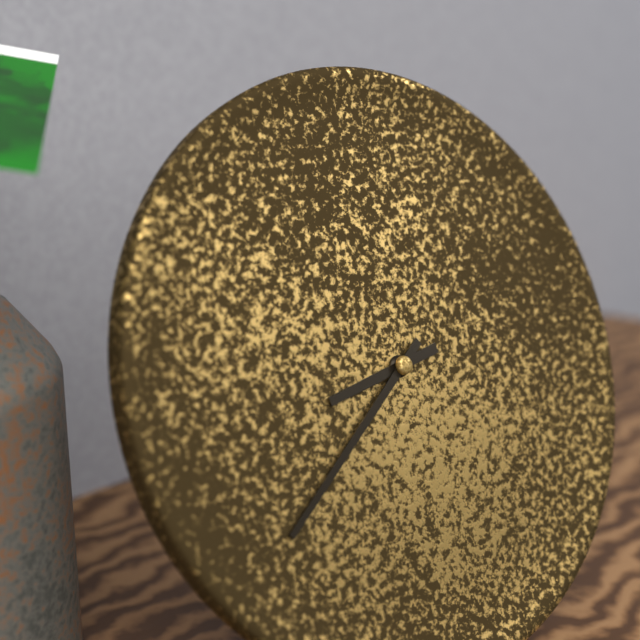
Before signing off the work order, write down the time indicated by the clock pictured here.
8:39
